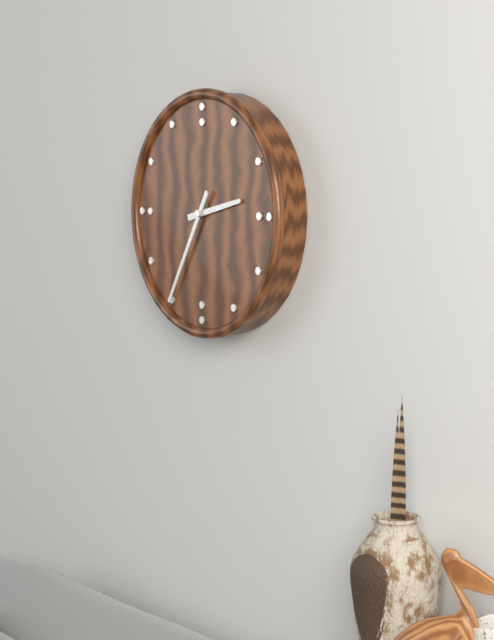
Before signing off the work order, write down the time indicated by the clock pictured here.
2:35
